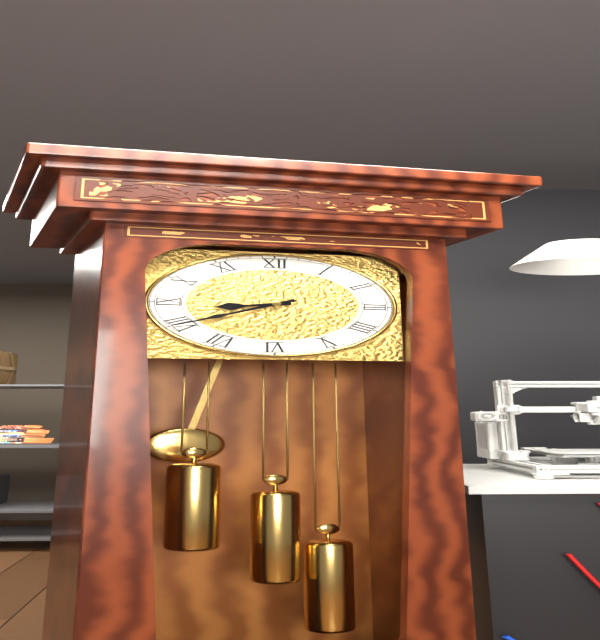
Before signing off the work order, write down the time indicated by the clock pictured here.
8:40
